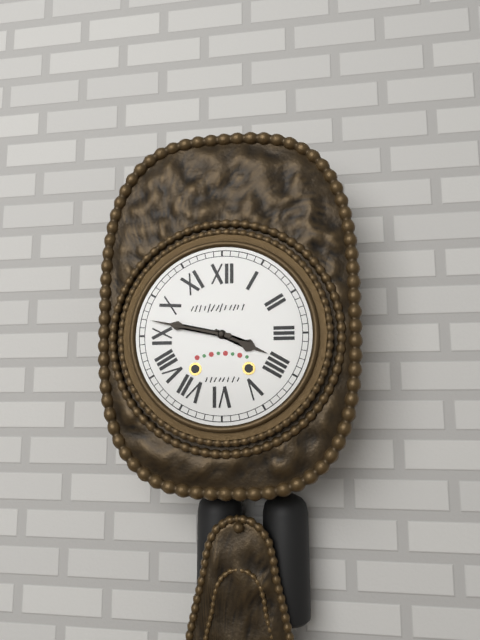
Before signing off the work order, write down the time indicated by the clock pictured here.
3:47
